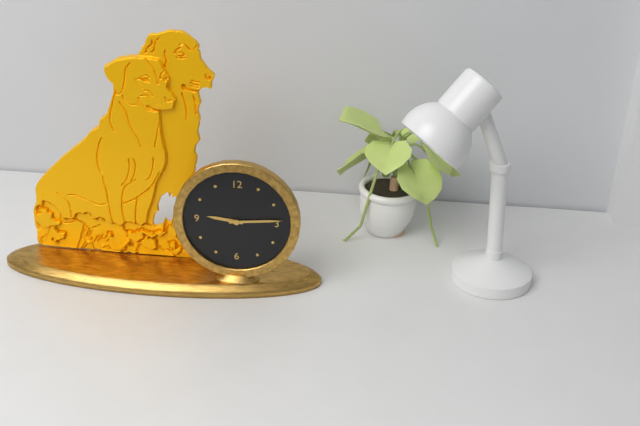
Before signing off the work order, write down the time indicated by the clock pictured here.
9:14
